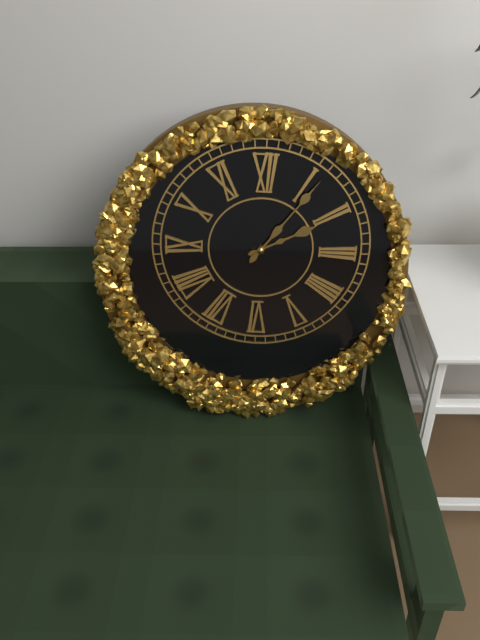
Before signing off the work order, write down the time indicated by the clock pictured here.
2:06
